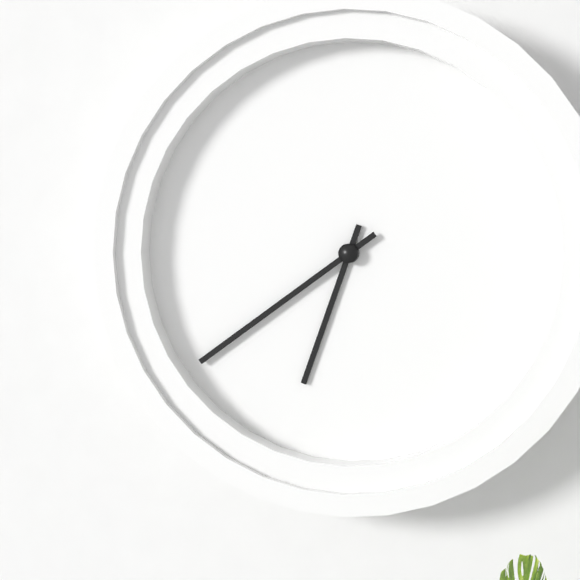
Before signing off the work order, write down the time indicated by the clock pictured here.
6:39
